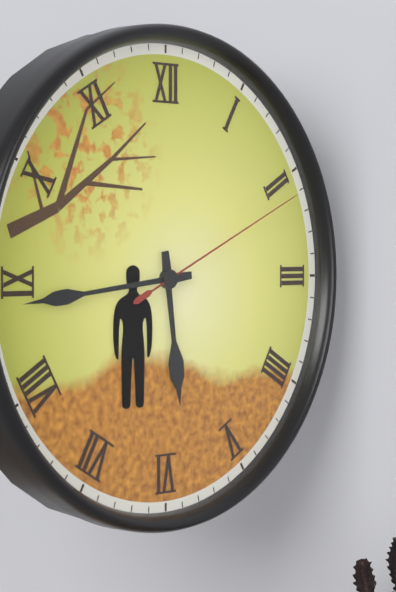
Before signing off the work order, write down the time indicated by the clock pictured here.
5:44:11
